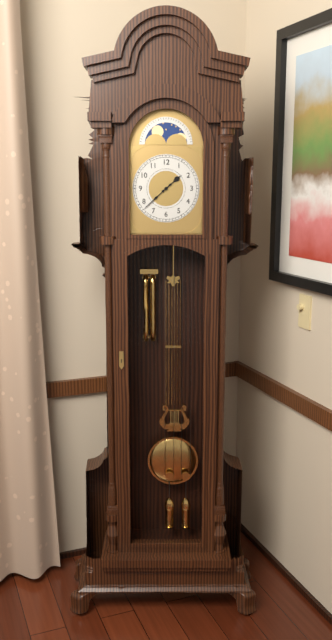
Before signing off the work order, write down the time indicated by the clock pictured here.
1:38
